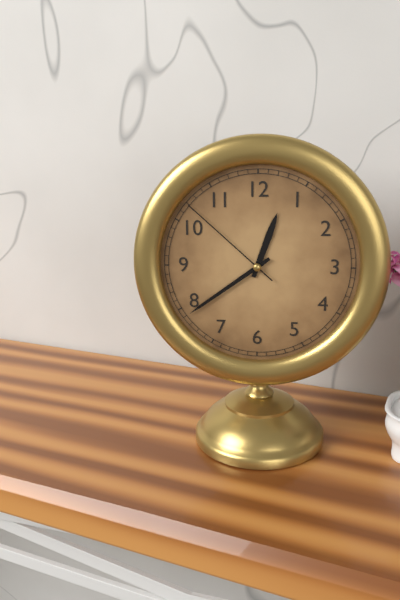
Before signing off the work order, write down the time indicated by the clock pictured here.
12:39:52
